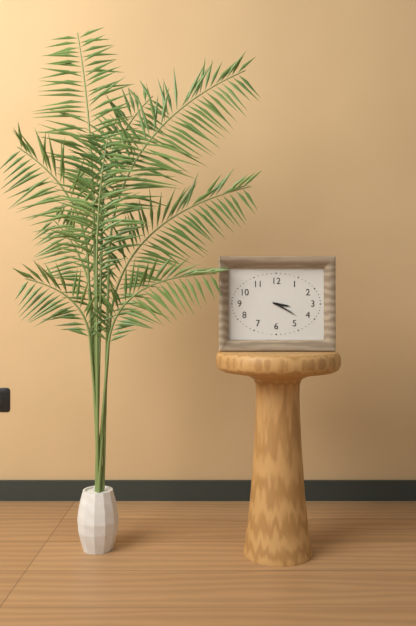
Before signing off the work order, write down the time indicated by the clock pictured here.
3:20
